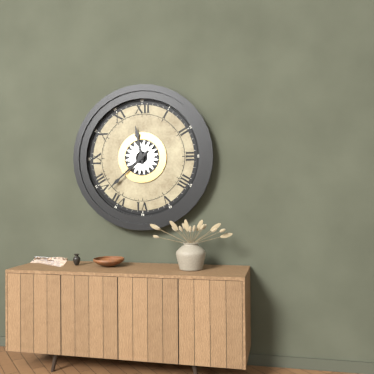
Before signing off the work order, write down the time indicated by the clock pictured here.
11:38
